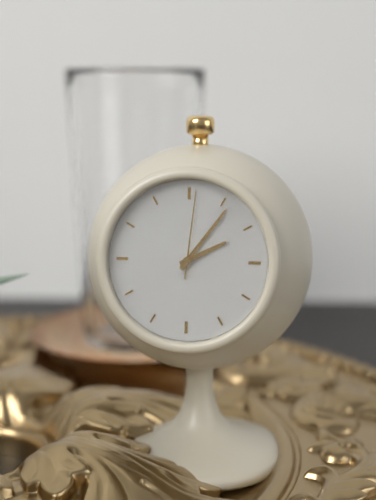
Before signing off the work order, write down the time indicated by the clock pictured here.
2:06:01
